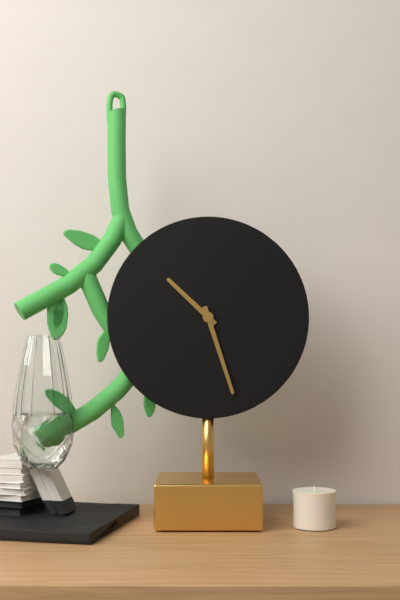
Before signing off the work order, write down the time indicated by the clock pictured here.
10:27
